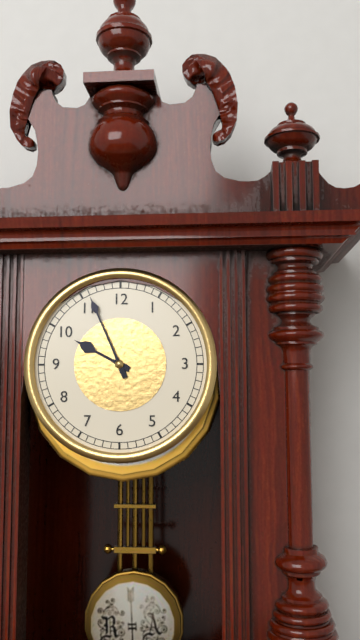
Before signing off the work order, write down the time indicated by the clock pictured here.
9:56
